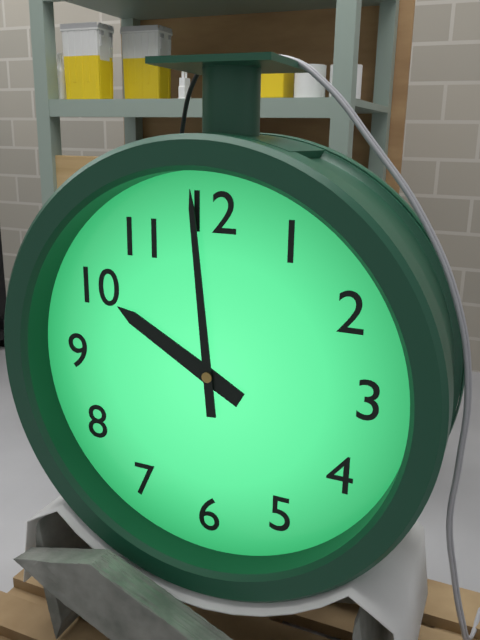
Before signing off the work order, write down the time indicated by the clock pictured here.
9:59
